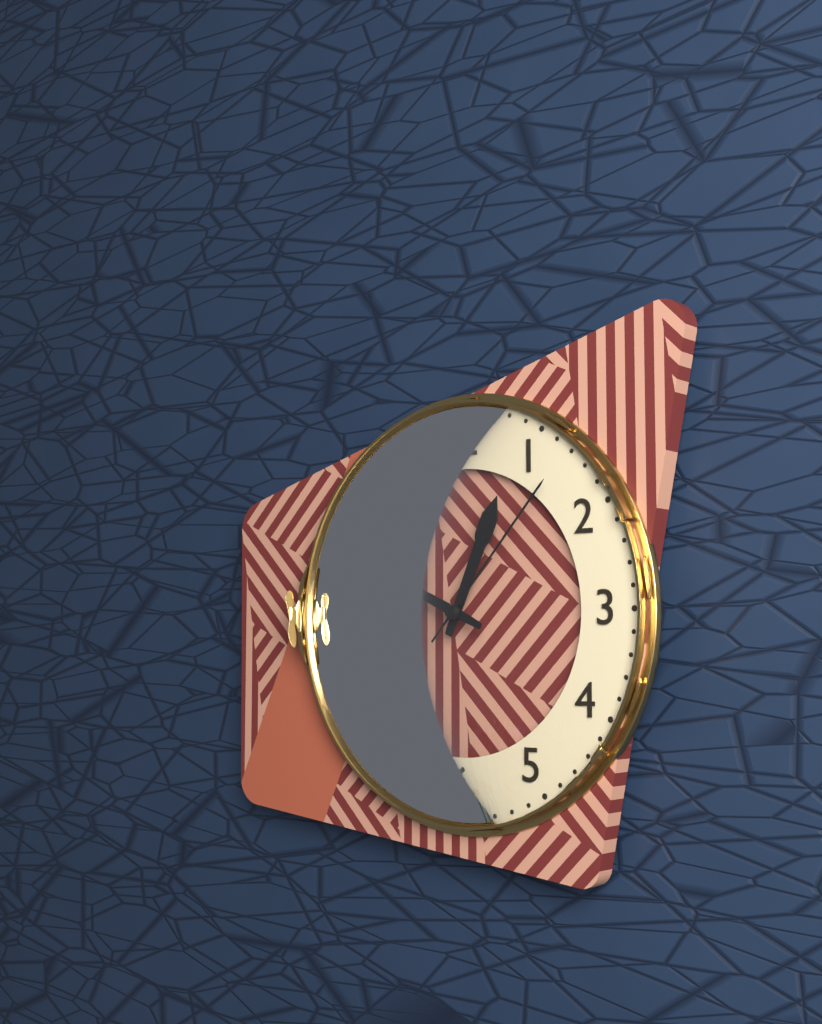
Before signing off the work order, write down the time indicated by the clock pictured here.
12:49:07
